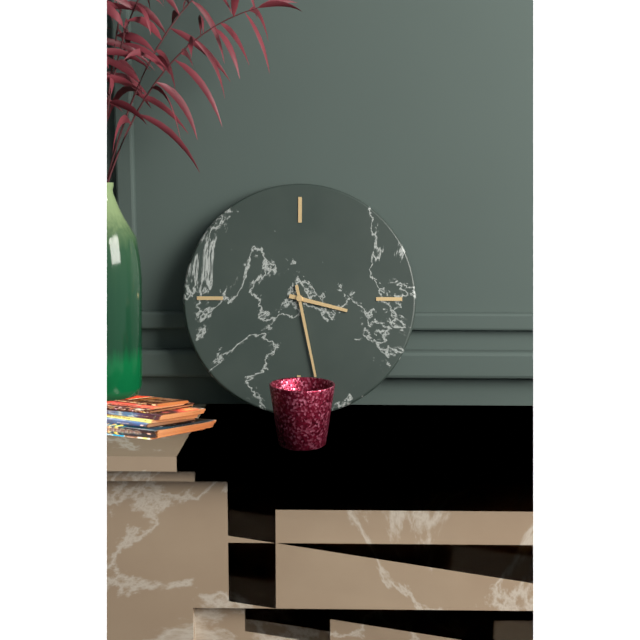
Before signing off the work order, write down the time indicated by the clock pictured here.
3:28
